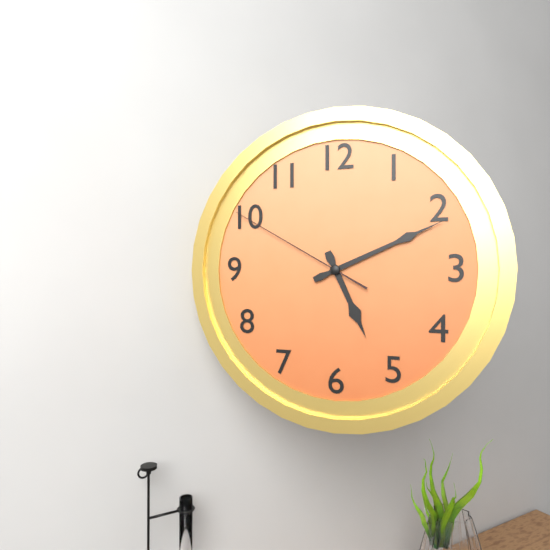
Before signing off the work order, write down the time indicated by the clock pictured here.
5:11:50
